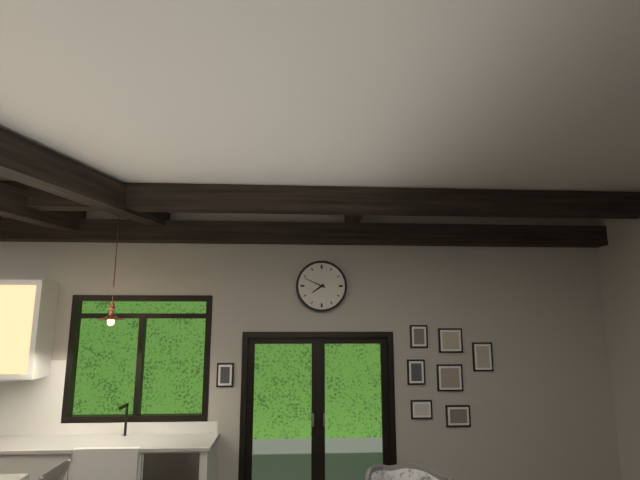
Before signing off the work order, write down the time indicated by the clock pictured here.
7:49
